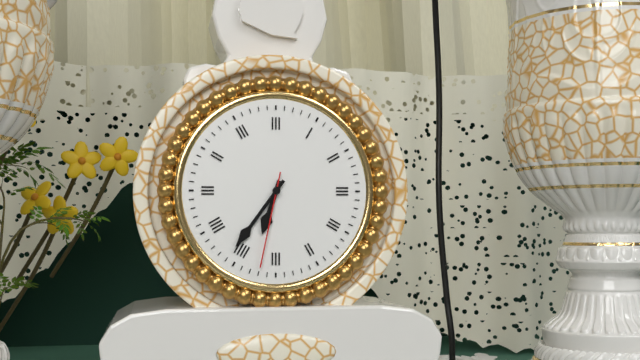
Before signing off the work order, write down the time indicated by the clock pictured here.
6:36:32
